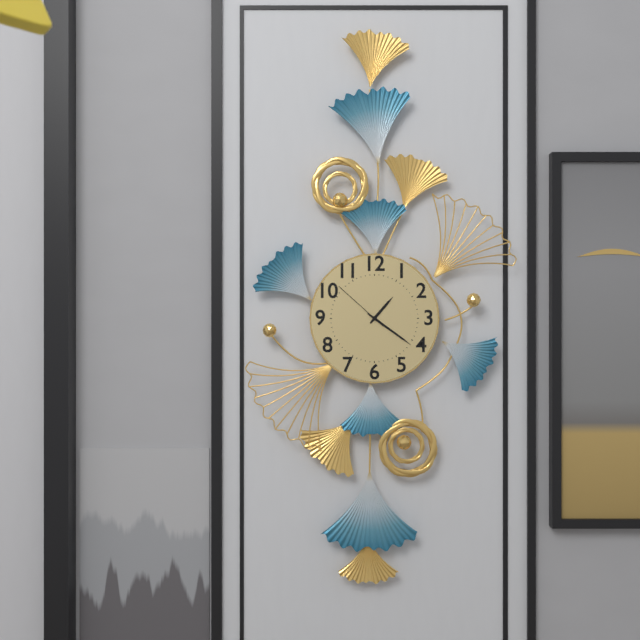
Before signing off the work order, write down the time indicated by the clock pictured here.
1:21:52
